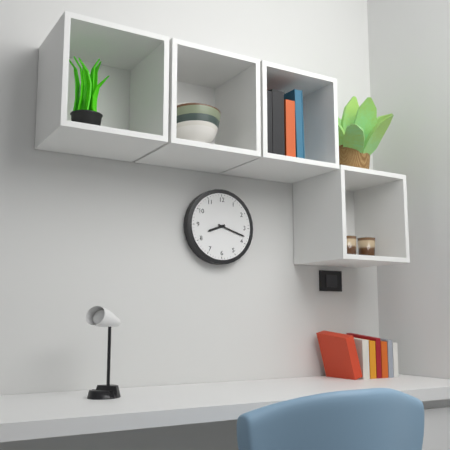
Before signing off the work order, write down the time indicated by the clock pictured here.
8:18
